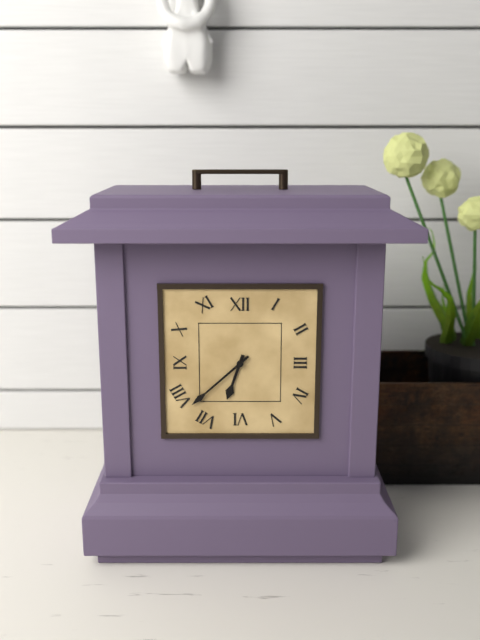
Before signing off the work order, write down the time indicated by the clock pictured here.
6:38
